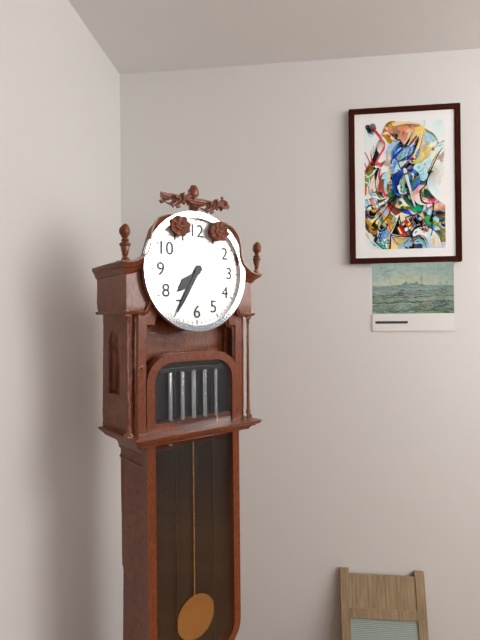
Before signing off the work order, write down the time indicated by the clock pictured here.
7:35
